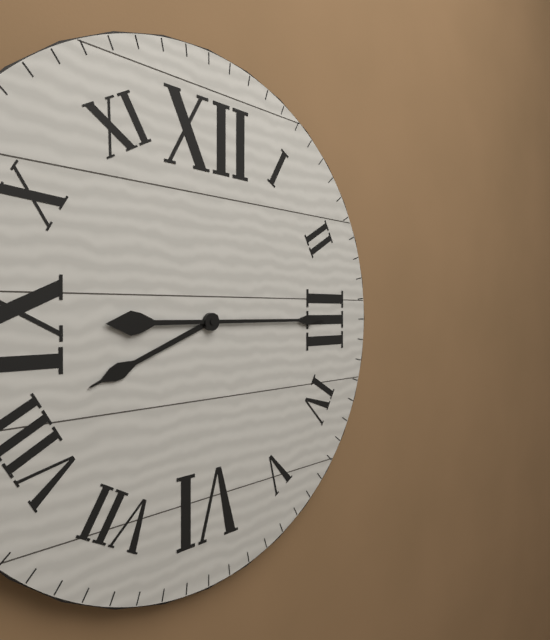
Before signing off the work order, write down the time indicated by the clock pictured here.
8:15
